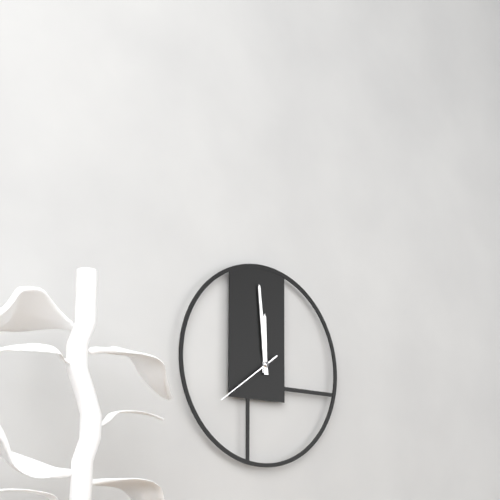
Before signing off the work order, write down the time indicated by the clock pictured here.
11:59:39
